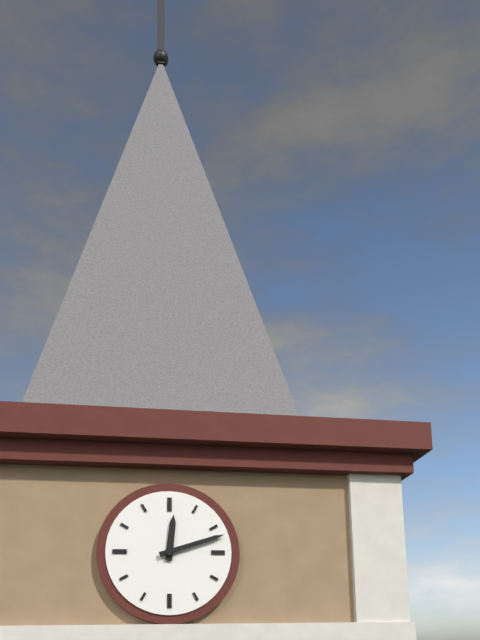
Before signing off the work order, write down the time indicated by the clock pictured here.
12:12
